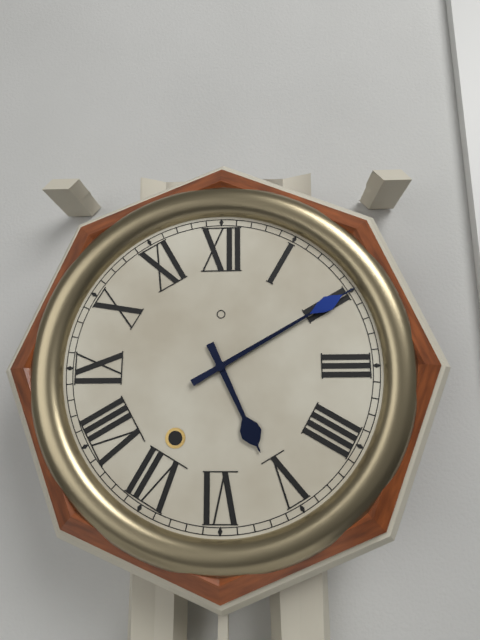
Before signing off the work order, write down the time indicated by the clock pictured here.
5:10
